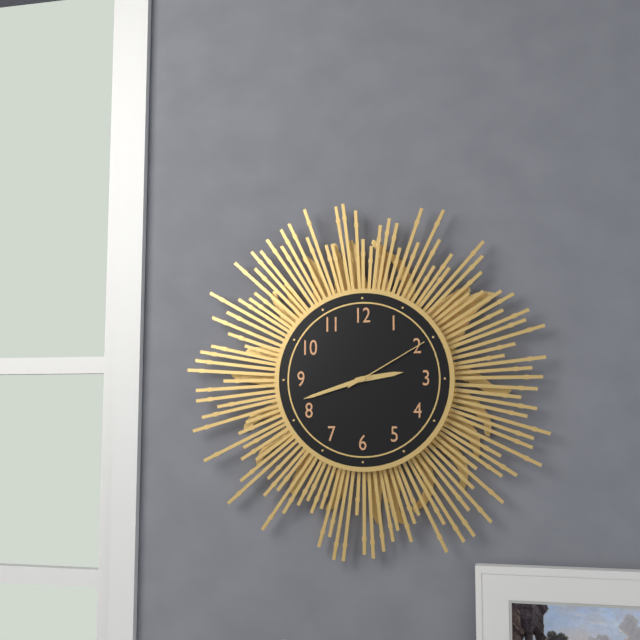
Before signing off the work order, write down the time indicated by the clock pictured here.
2:42:10
